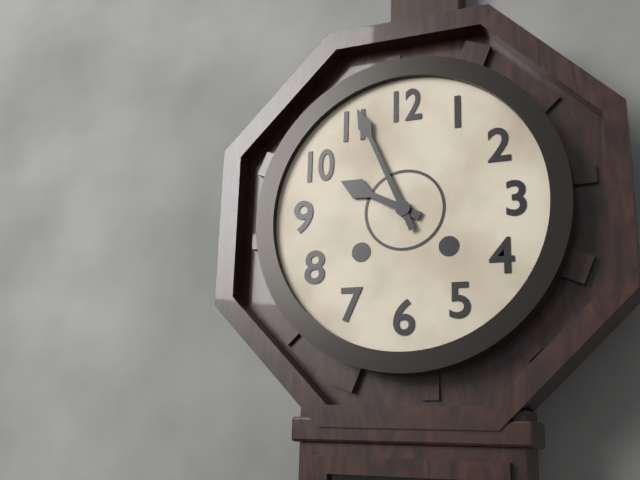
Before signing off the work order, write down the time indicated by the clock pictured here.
9:56
